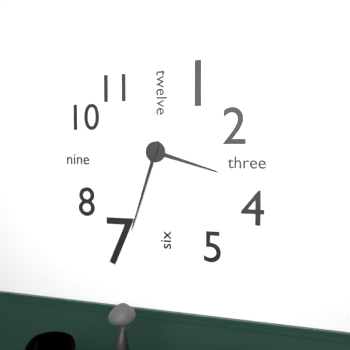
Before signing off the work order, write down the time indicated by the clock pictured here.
3:33
